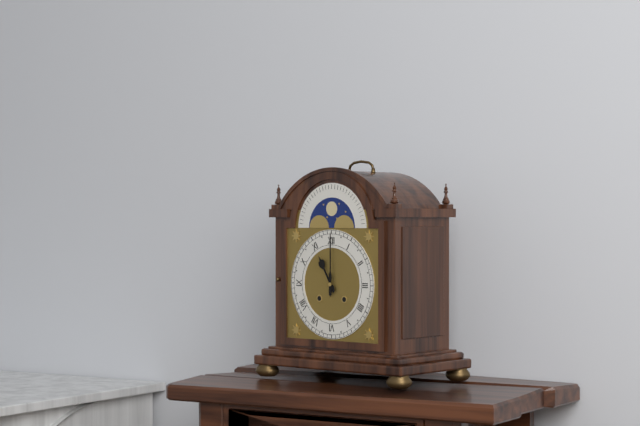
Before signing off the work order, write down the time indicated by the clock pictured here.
11:00
